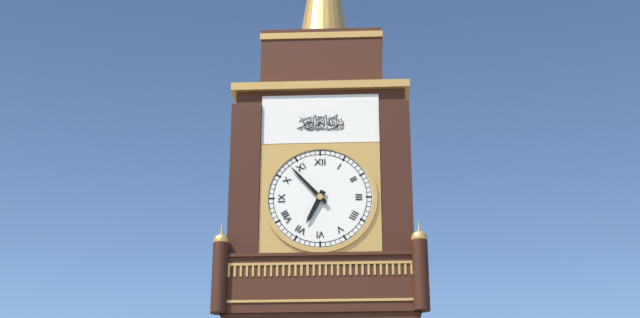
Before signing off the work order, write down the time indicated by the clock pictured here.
6:53
